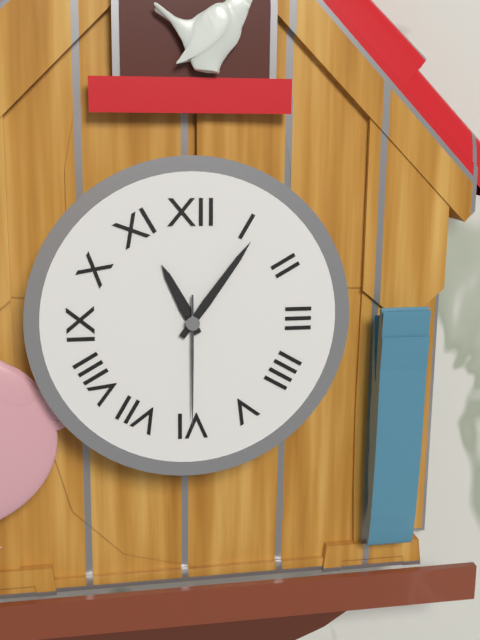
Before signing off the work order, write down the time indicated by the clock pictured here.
11:06:30
